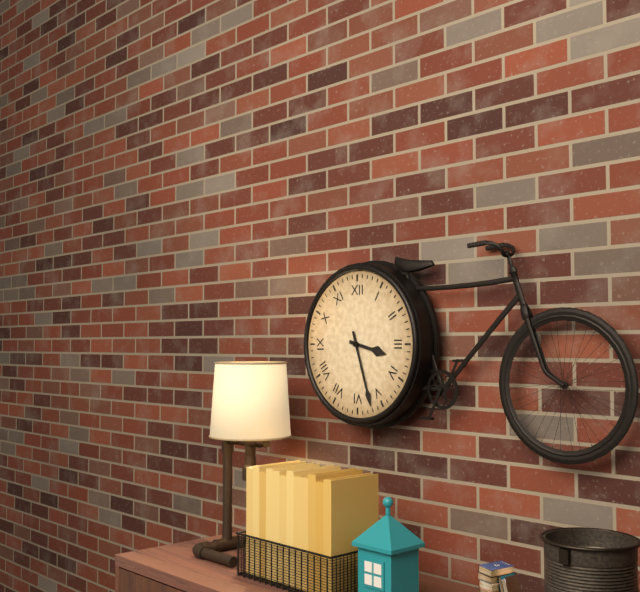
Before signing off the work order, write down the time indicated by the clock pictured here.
3:27
